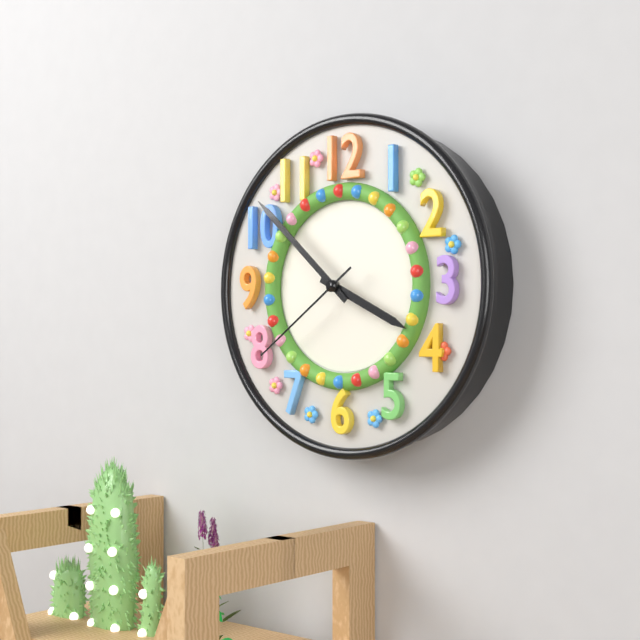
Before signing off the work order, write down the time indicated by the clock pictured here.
3:52:39
